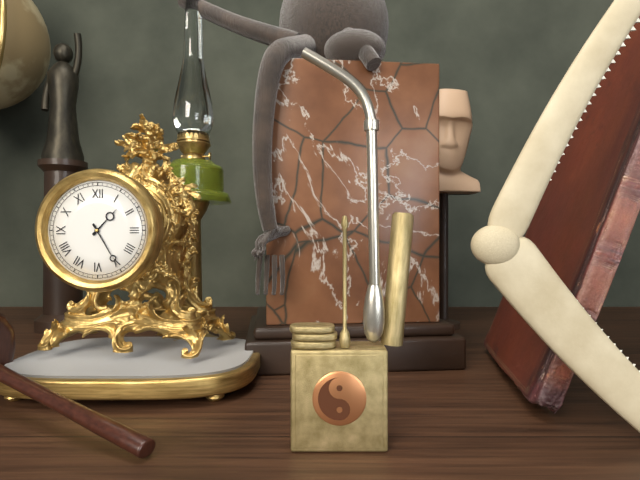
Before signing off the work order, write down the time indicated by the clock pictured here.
1:25
